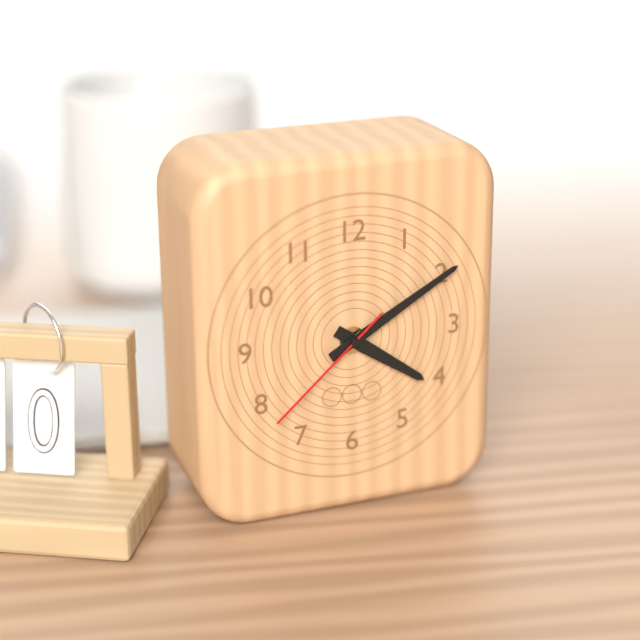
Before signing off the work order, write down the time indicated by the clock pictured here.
4:10:38
